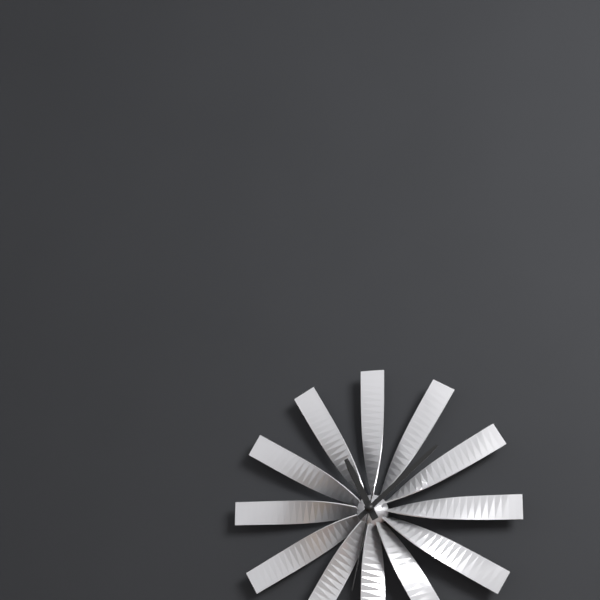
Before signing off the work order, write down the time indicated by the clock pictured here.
11:08:32
